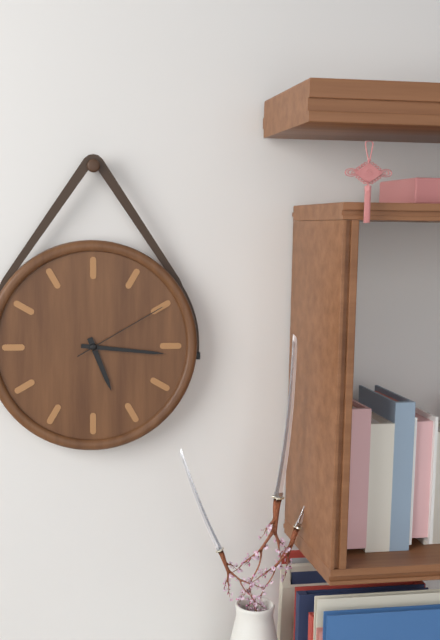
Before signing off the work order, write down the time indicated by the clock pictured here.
5:16:10
